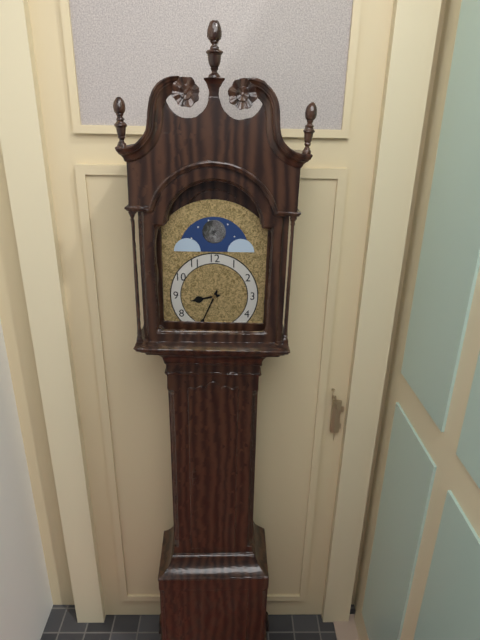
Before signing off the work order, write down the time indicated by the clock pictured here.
8:34
